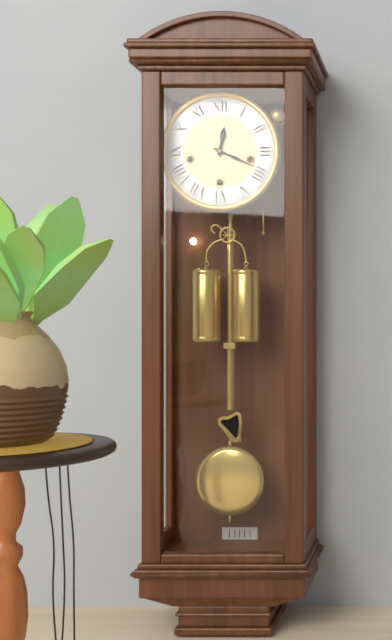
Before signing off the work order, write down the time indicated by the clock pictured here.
12:19
